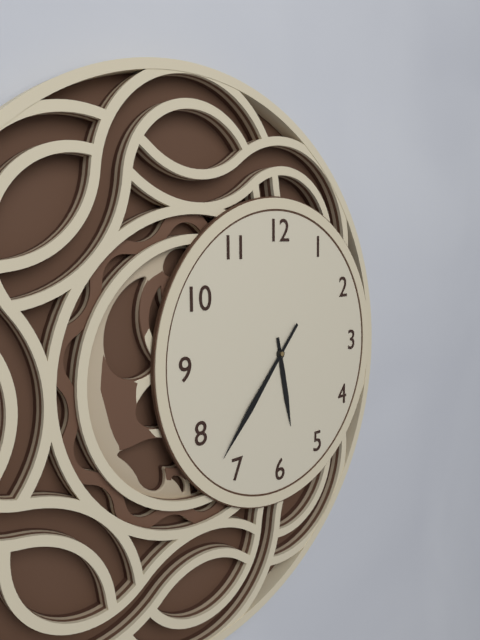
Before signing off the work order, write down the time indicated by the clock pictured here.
5:37
